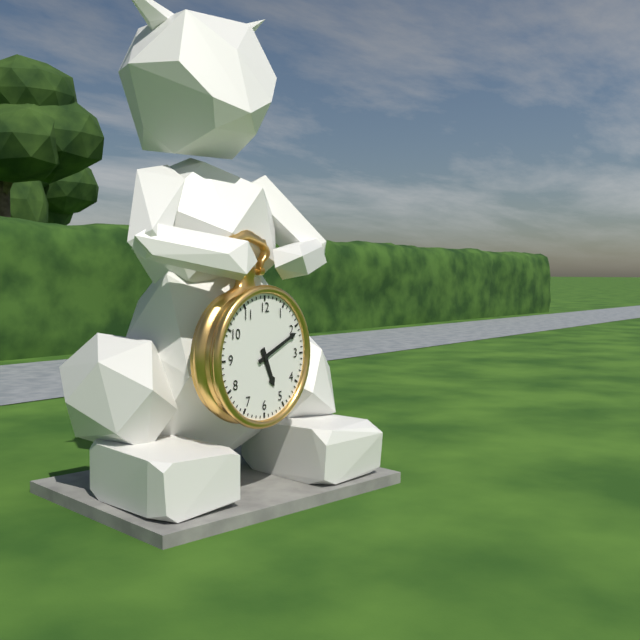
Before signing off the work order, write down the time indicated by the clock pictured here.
5:11
